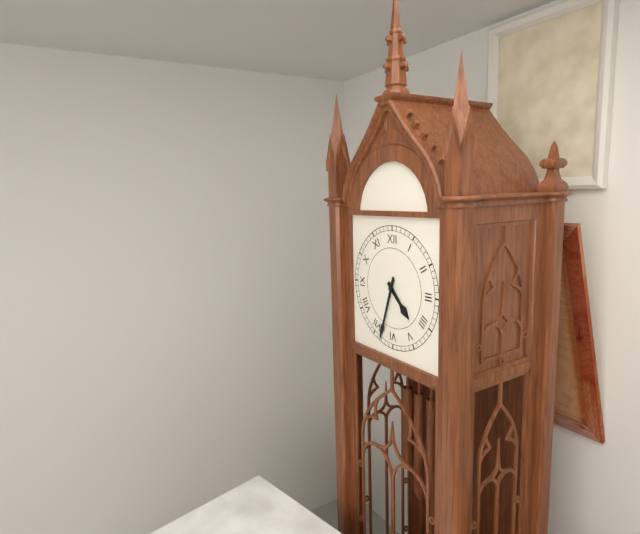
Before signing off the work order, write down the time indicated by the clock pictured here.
4:33
